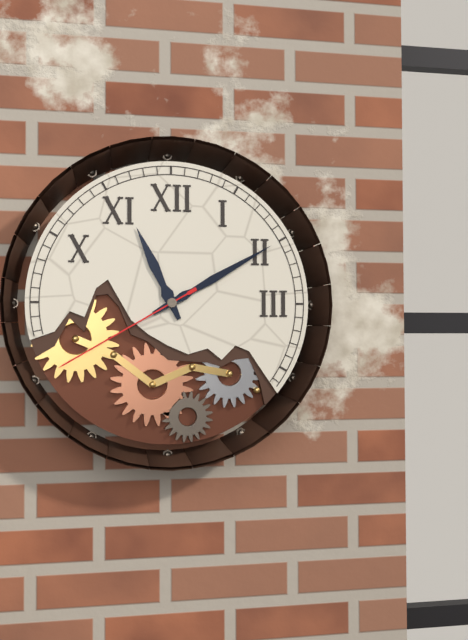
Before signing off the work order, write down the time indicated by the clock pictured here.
11:10:40
